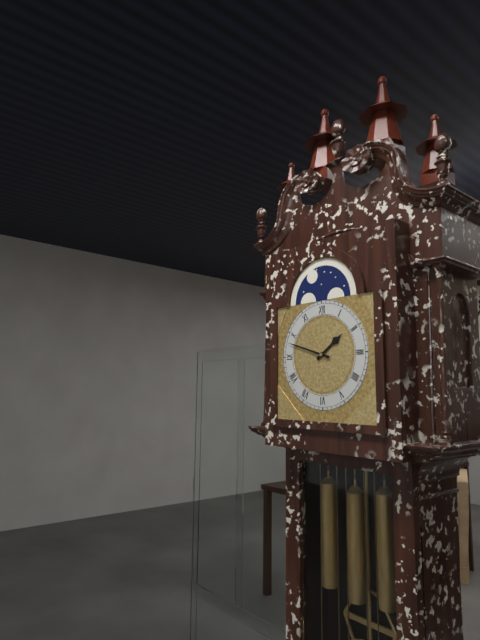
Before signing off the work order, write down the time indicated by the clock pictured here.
1:48
